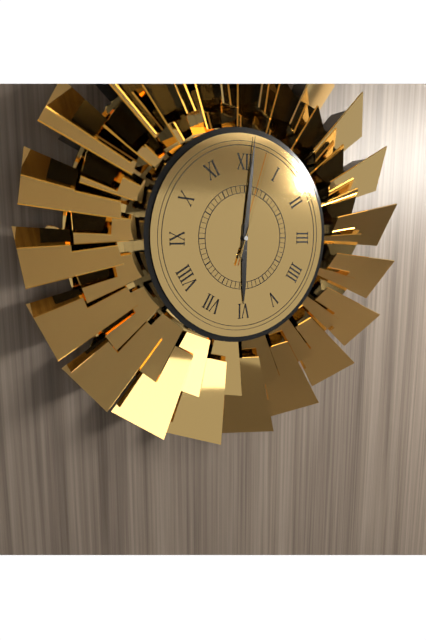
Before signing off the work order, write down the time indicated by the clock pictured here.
6:01:03
